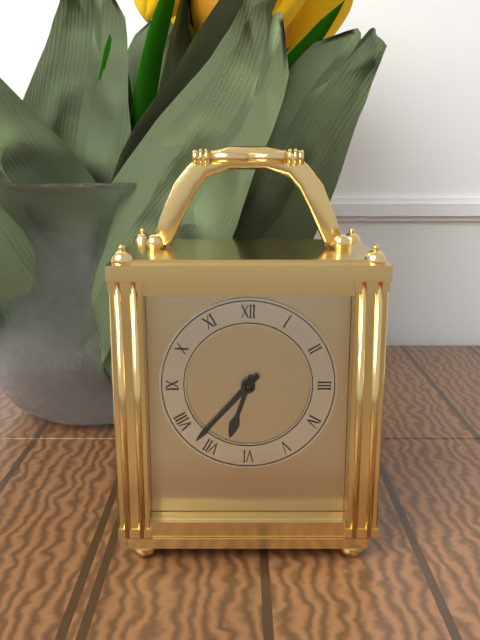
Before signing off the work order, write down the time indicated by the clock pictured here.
6:37
